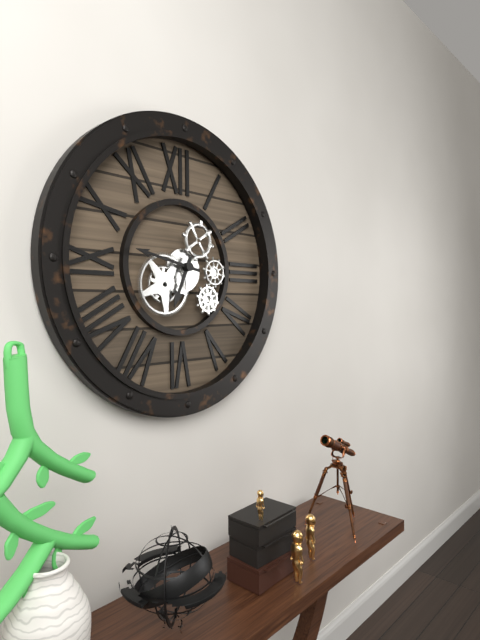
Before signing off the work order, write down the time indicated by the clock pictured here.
6:47
